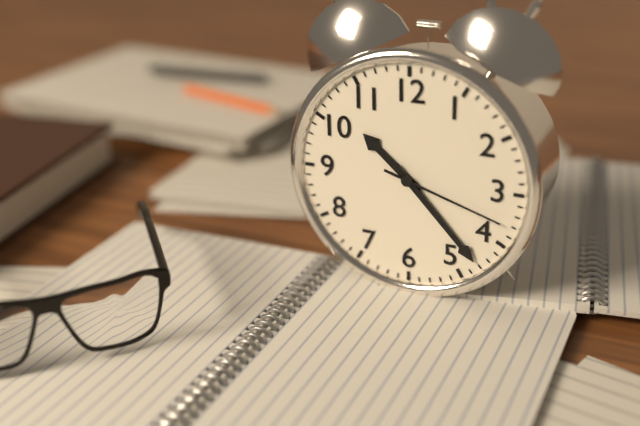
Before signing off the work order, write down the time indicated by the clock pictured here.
10:23:18
